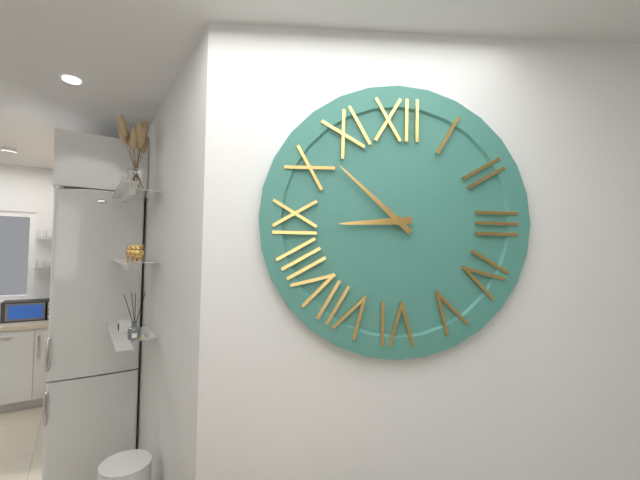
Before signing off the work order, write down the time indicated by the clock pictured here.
8:52
